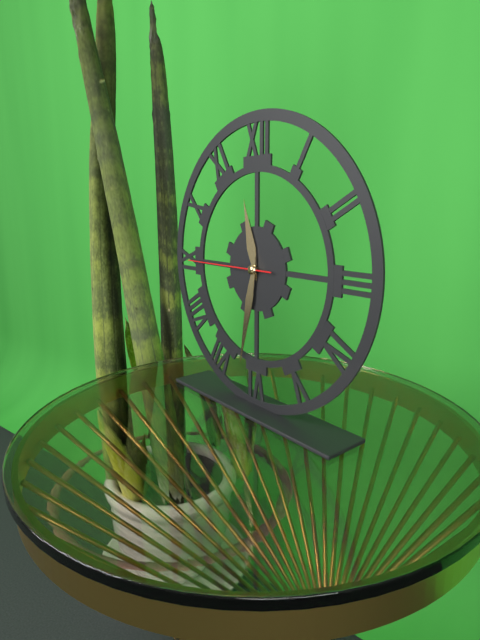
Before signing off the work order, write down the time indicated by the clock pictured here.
11:32:45
